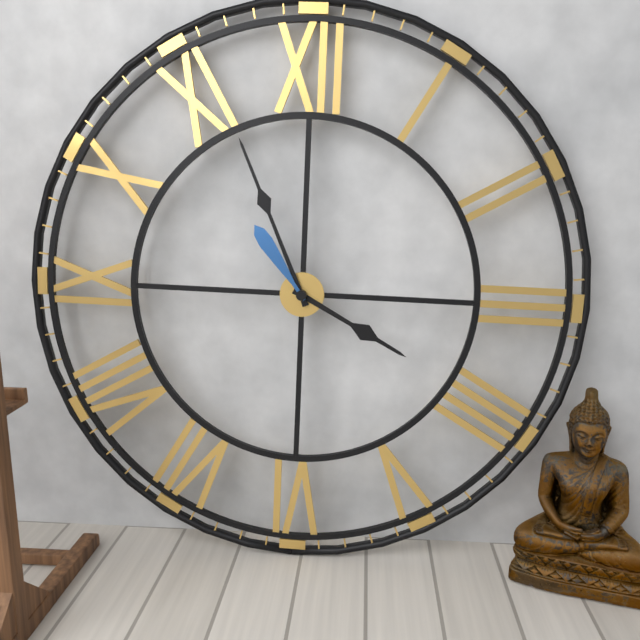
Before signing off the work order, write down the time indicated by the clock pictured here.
3:56:54
